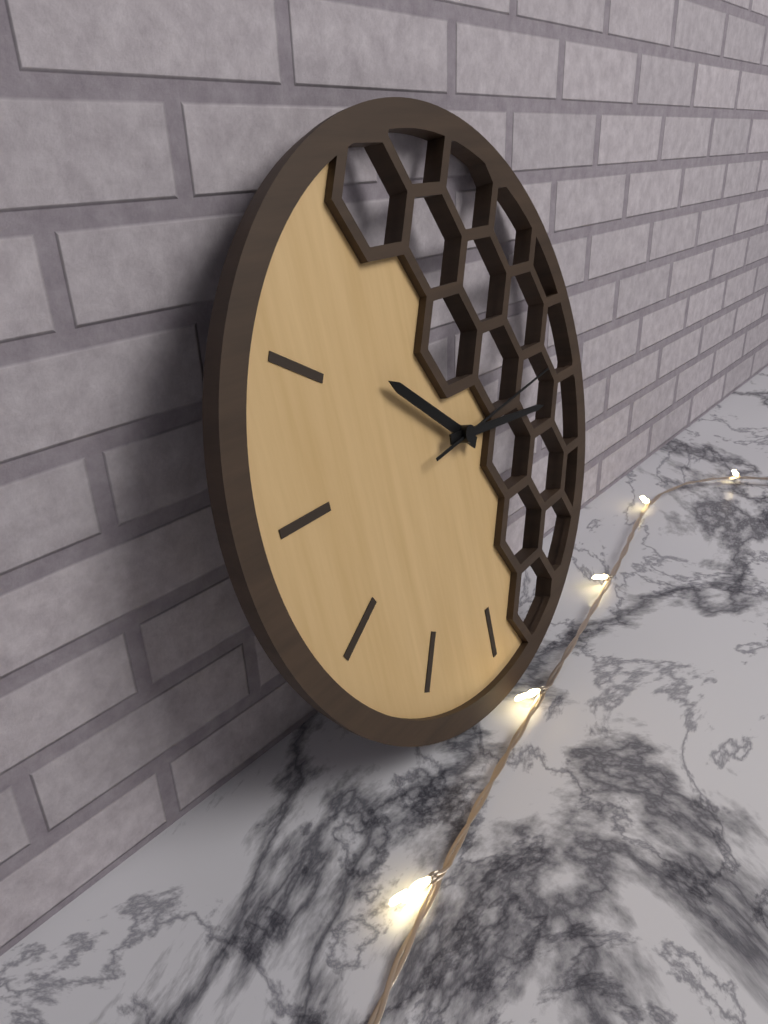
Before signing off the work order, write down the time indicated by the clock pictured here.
10:16:14
